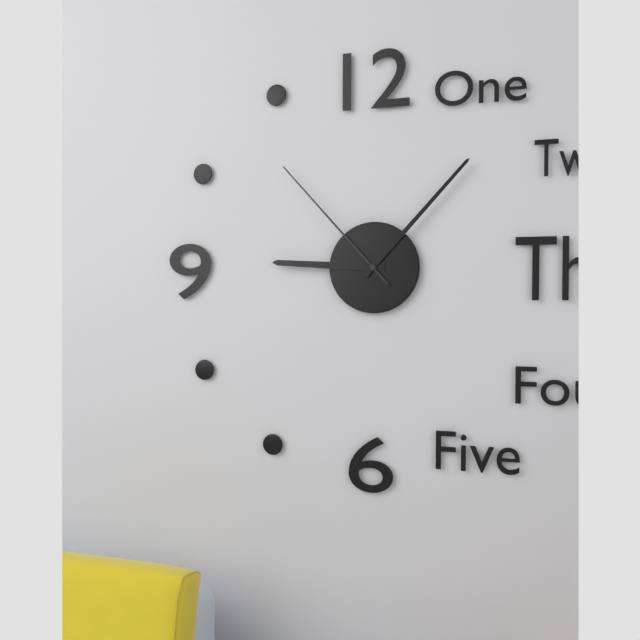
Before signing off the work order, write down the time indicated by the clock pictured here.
9:07:53
